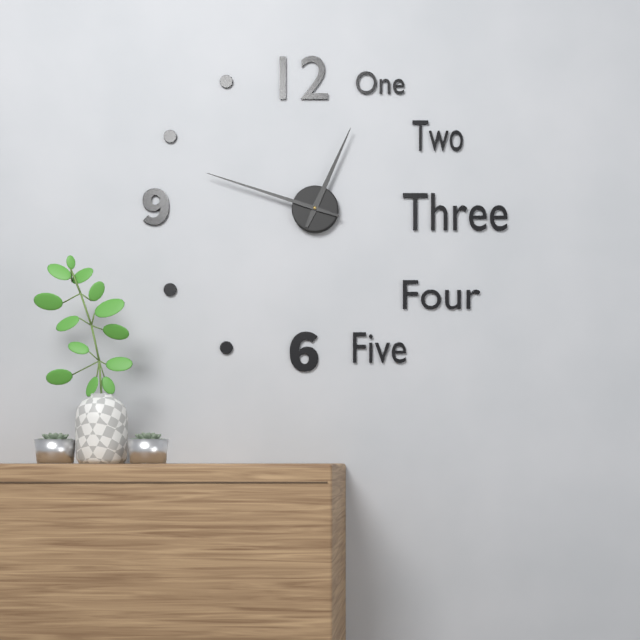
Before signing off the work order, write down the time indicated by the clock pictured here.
12:48
